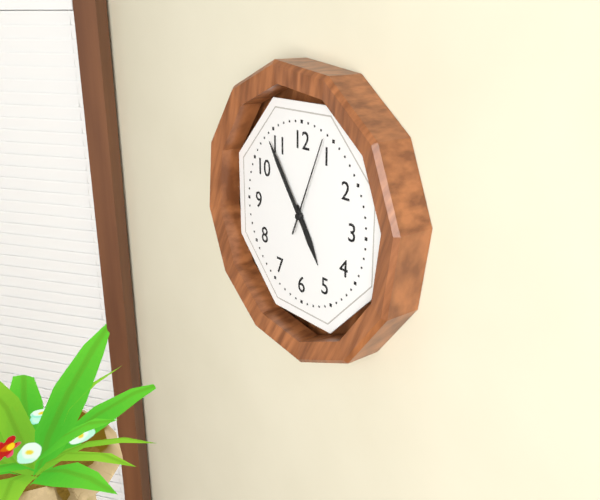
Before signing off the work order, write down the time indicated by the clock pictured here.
4:54:04
